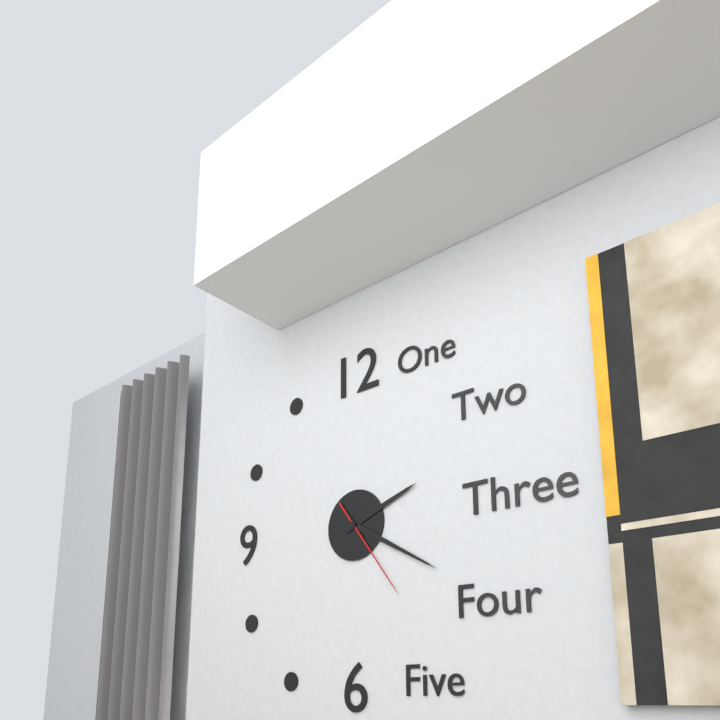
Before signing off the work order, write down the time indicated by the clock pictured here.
2:20:24
